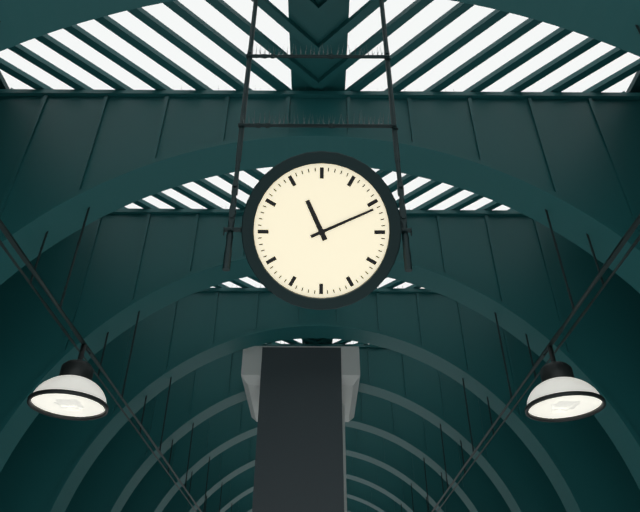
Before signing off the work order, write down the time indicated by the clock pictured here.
11:11
